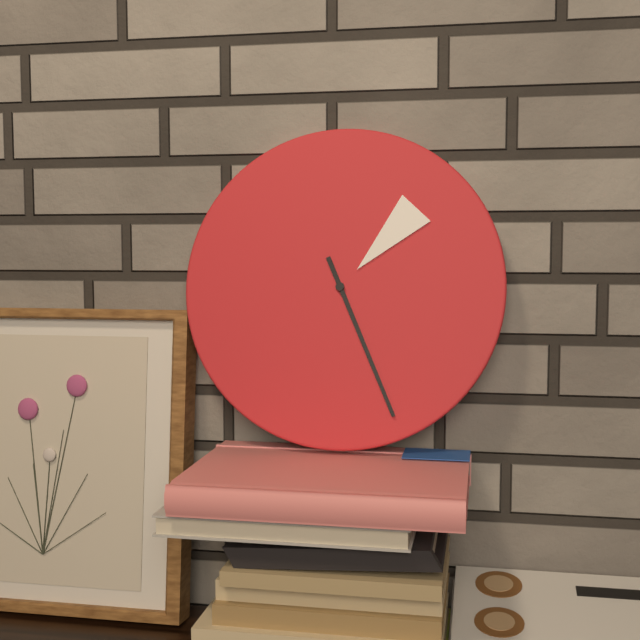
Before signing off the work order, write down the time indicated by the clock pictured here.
1:26
